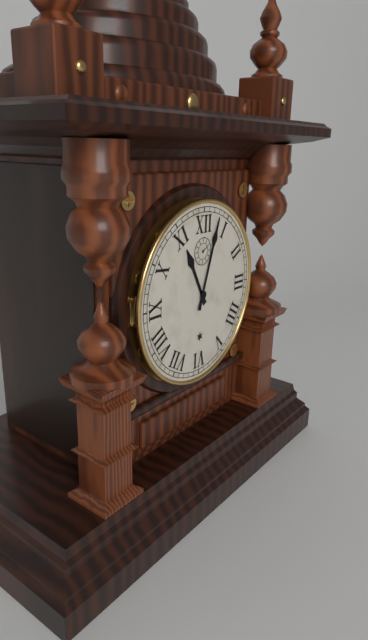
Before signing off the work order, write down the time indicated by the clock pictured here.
11:03
